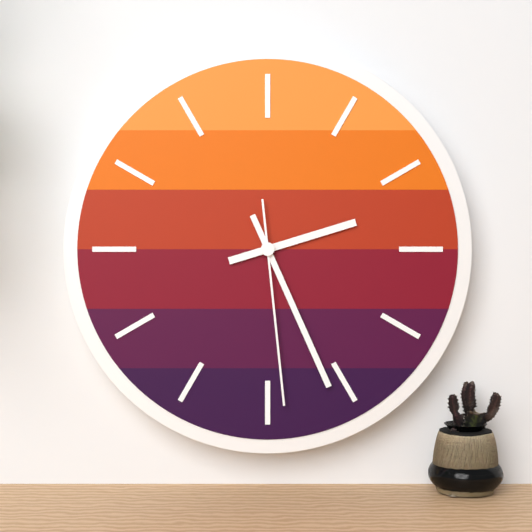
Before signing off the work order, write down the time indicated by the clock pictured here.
2:26:29
